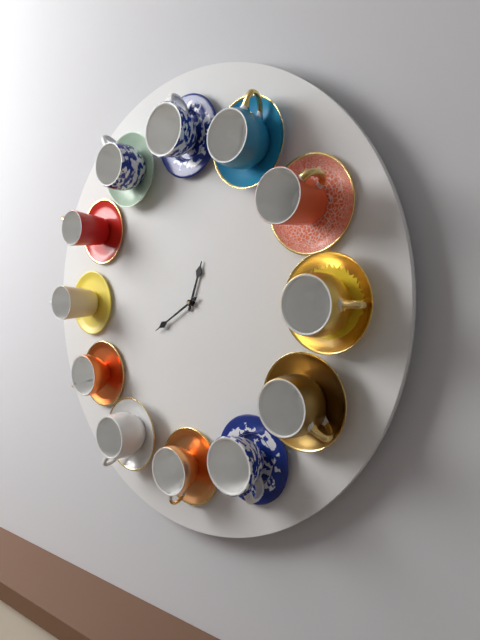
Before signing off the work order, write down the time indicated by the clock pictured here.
12:40
